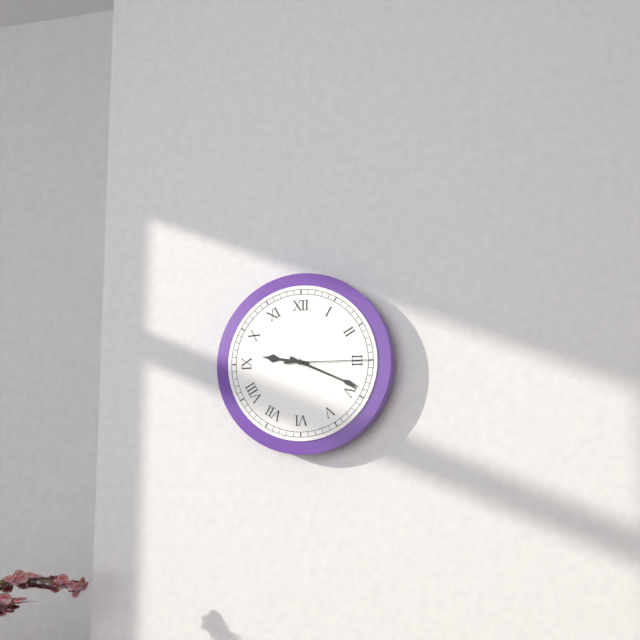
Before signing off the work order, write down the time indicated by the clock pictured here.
9:19:15
